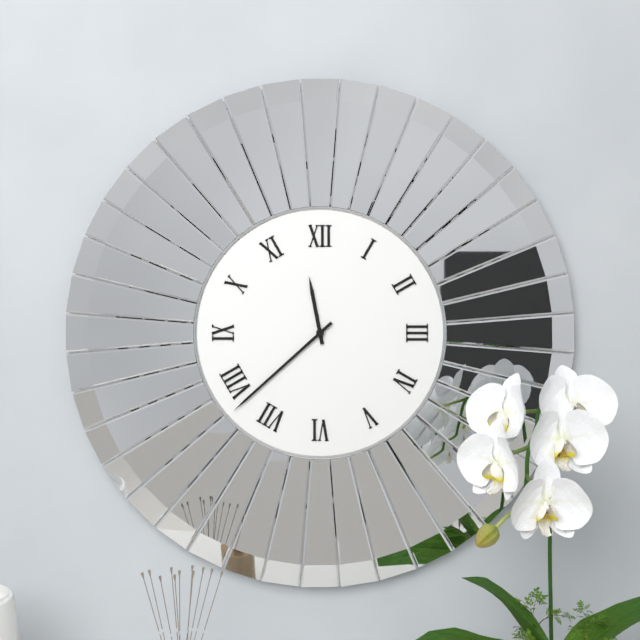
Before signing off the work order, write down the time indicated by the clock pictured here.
11:38
